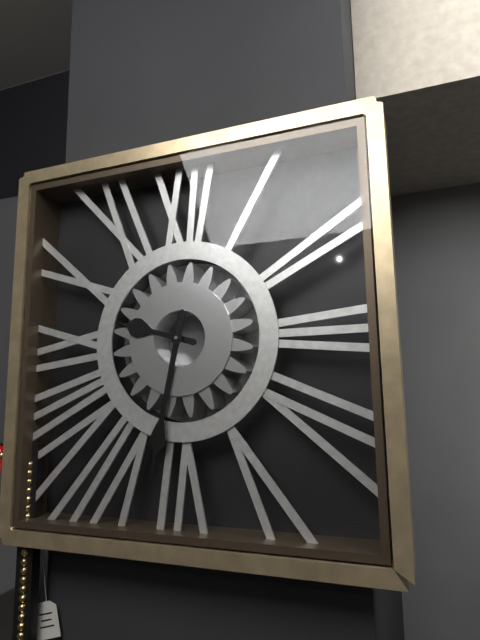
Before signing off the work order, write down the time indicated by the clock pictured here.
9:32
